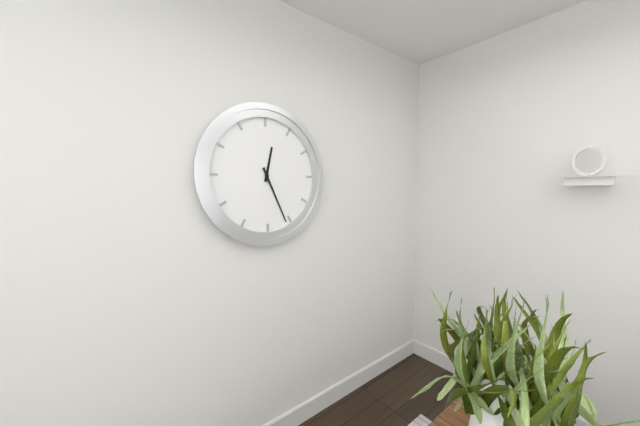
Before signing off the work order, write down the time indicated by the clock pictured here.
12:26
